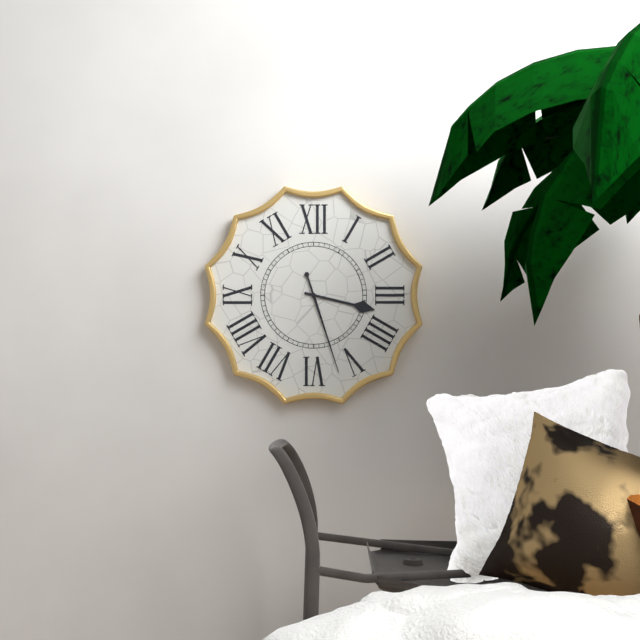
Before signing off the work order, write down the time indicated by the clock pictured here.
3:27
